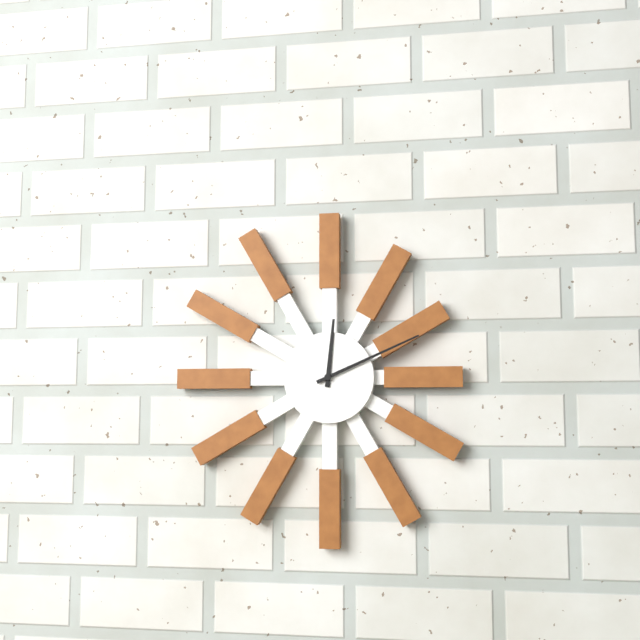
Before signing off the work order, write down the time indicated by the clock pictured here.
12:11
